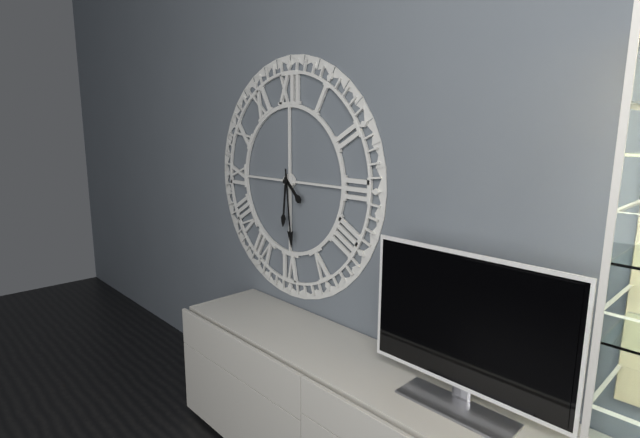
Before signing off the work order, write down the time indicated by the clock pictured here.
4:29:31
